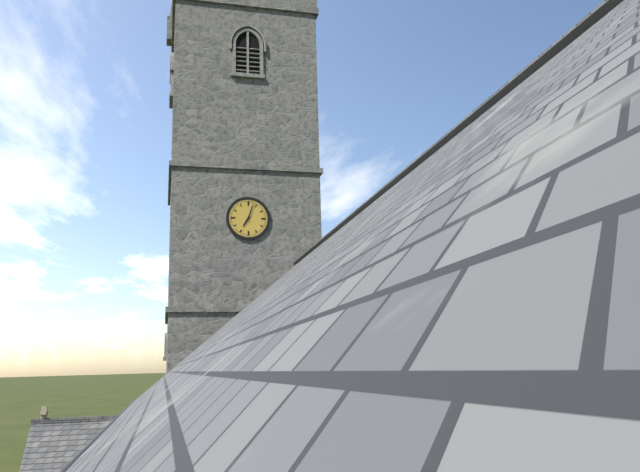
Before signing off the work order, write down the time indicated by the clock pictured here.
7:03
